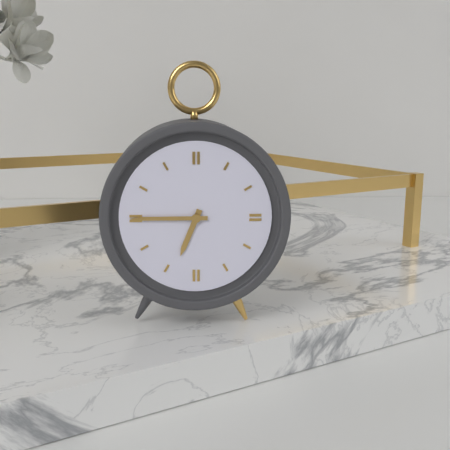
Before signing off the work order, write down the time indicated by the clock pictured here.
6:45
